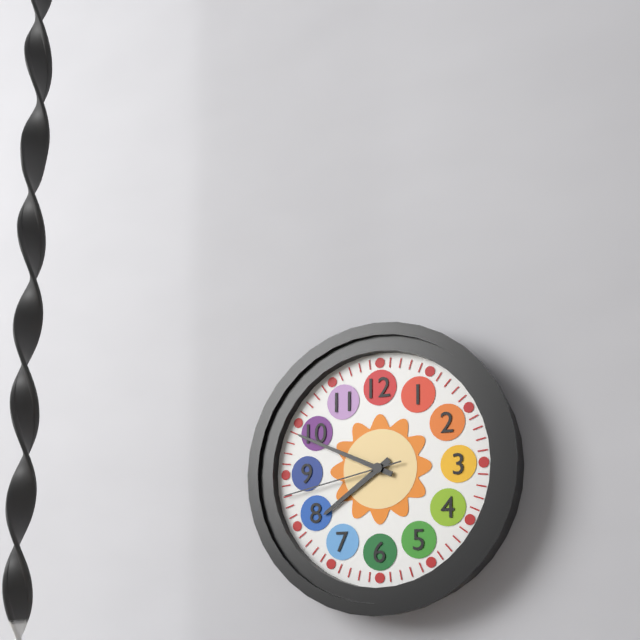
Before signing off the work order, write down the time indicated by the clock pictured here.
7:49:43
